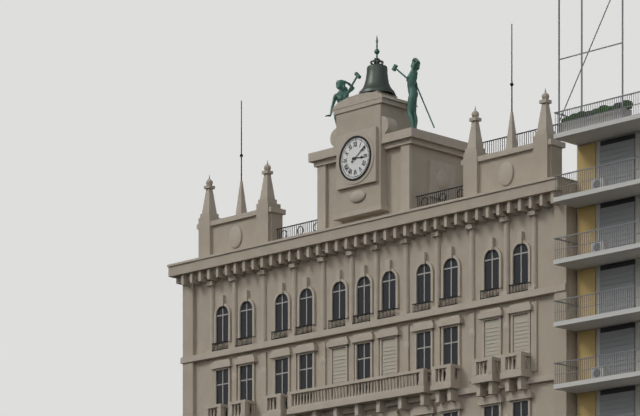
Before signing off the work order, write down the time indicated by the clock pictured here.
3:09
